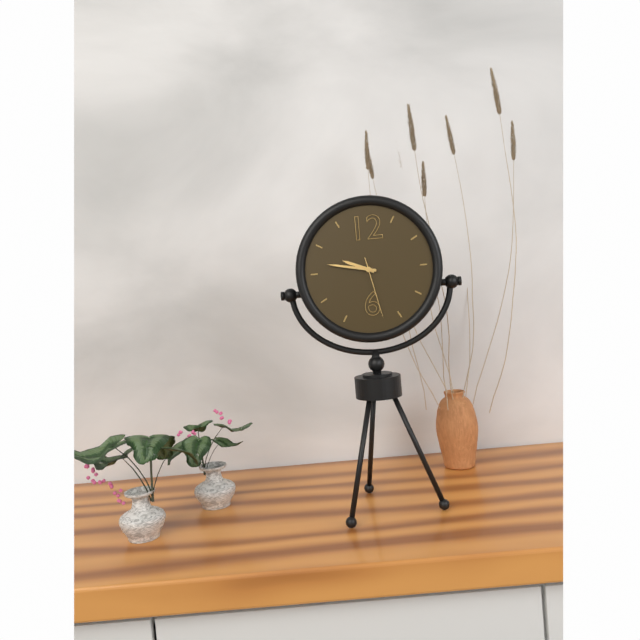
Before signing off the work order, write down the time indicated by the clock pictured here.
9:47:28
